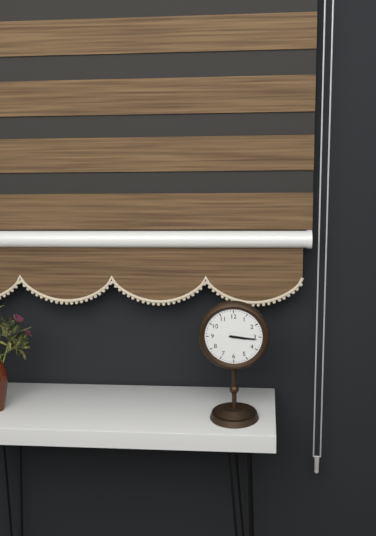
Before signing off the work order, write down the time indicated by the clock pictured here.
3:16
